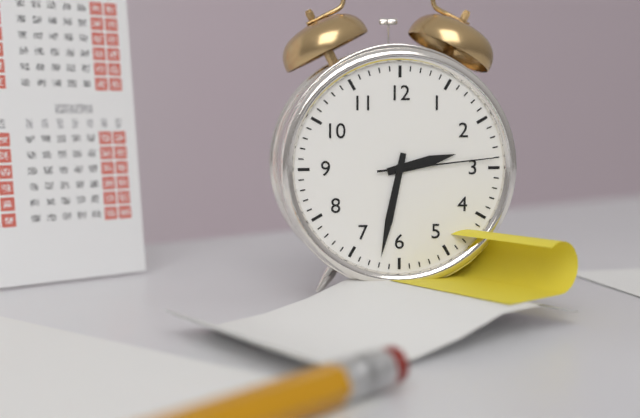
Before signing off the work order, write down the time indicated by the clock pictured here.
2:32:14
